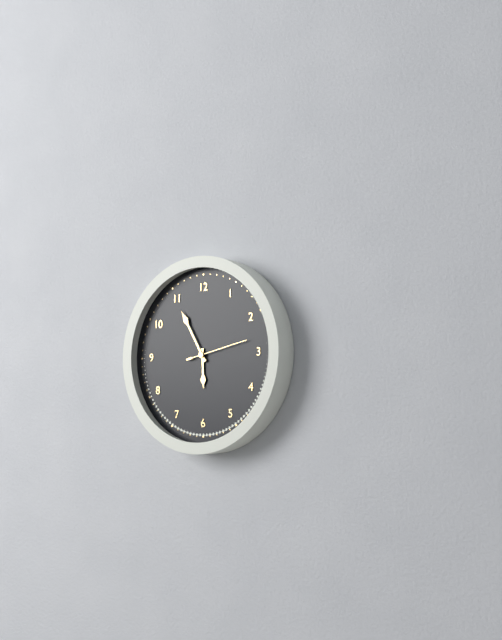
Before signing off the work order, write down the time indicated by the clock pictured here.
5:55:13
